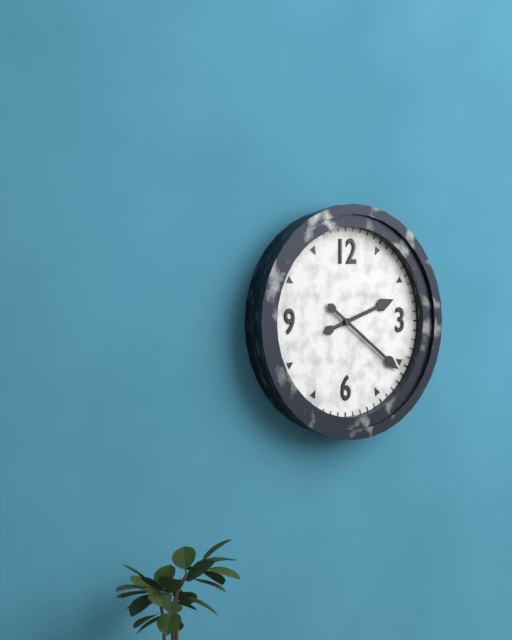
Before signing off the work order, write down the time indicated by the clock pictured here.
2:21
